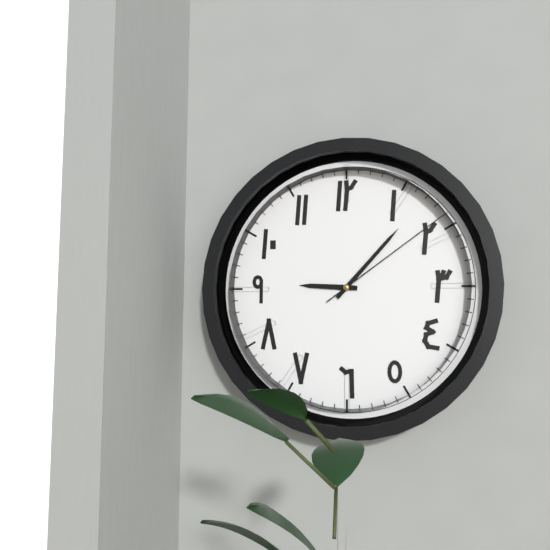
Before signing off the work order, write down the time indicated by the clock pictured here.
9:07:09
